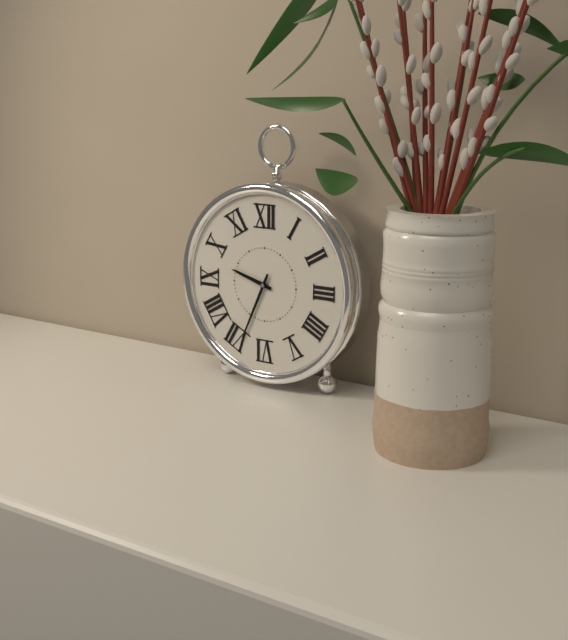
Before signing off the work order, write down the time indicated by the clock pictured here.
9:34
